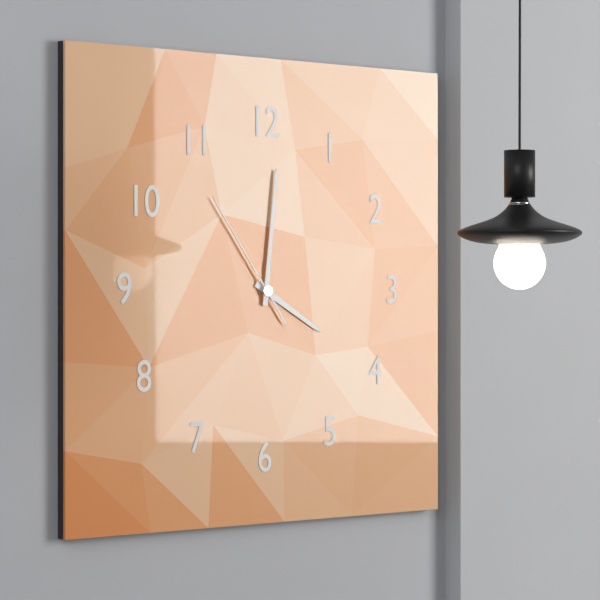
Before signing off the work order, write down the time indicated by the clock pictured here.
4:01:54
